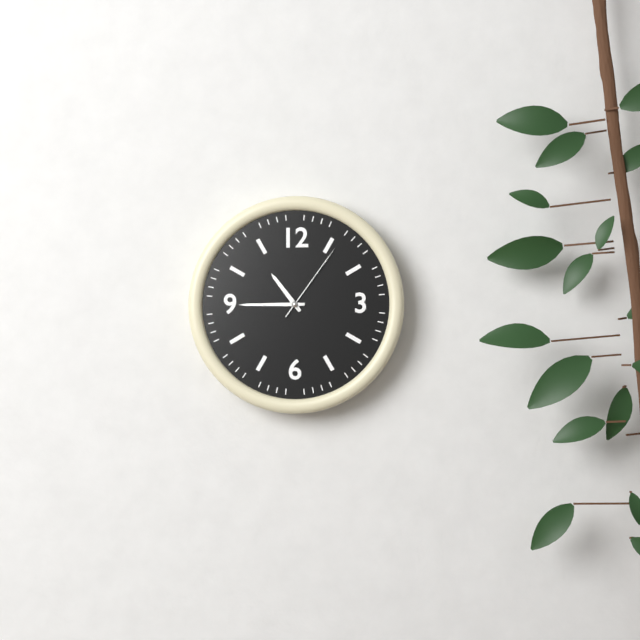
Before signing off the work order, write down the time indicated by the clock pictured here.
10:45:06
